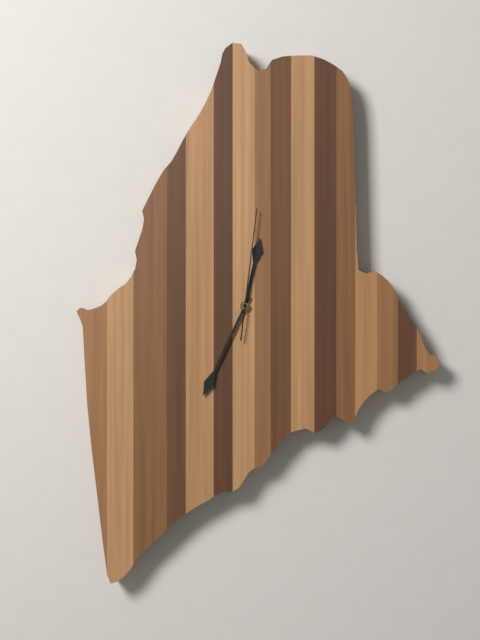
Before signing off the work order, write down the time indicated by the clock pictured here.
12:35:02
